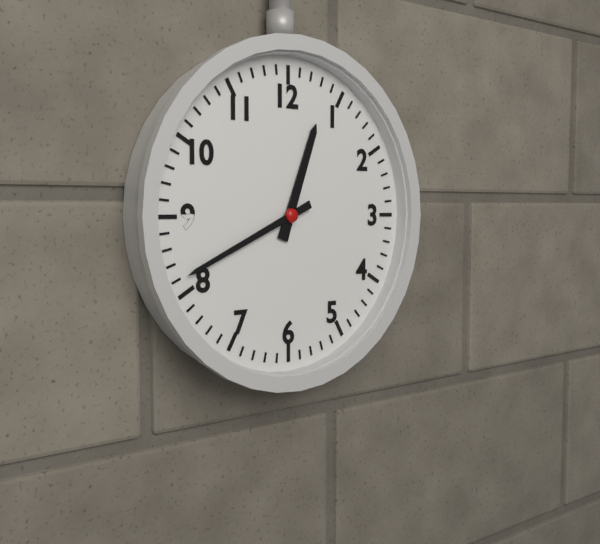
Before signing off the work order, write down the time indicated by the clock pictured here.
12:41
